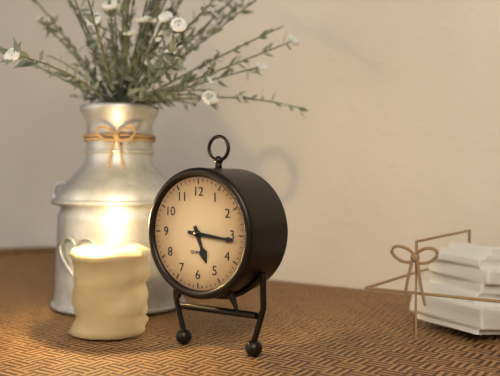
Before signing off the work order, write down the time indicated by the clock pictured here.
5:16
